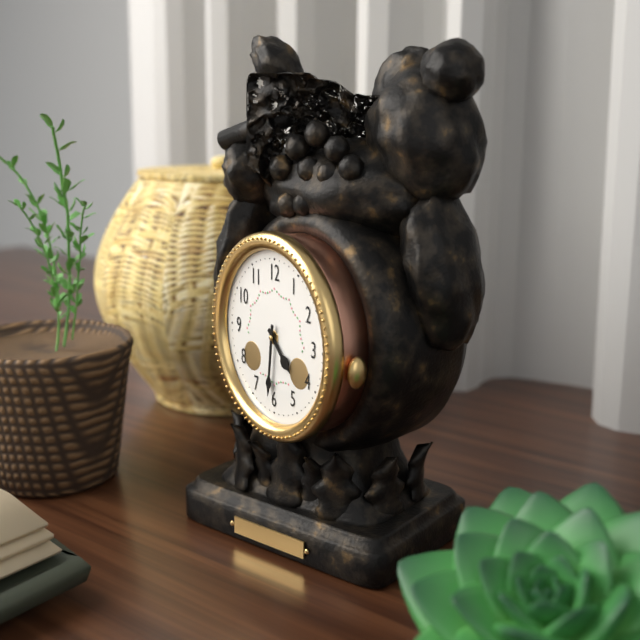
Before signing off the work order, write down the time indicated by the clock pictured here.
4:31
